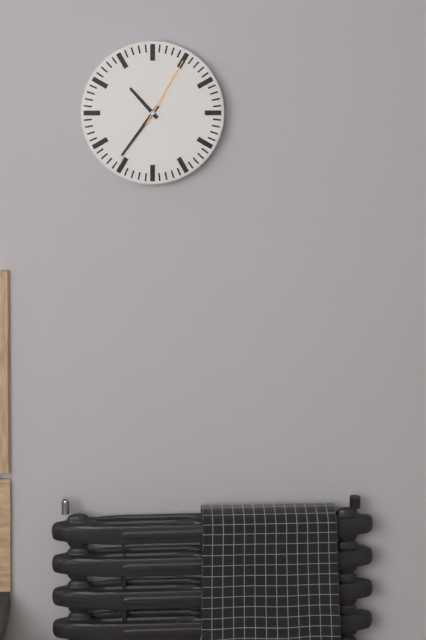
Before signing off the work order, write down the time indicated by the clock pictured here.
10:36:05
